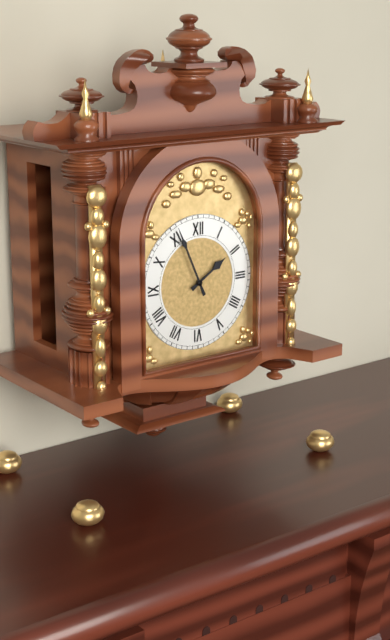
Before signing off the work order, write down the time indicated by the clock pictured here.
1:56
